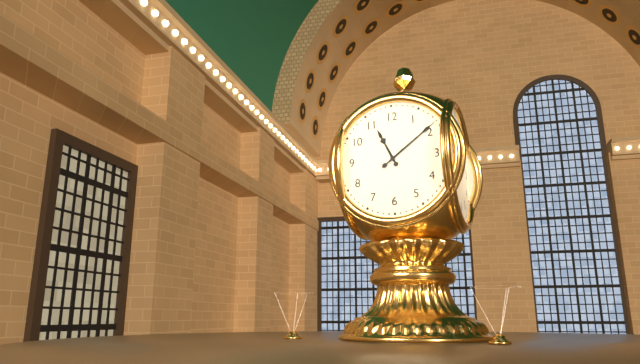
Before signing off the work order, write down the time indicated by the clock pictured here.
11:09
